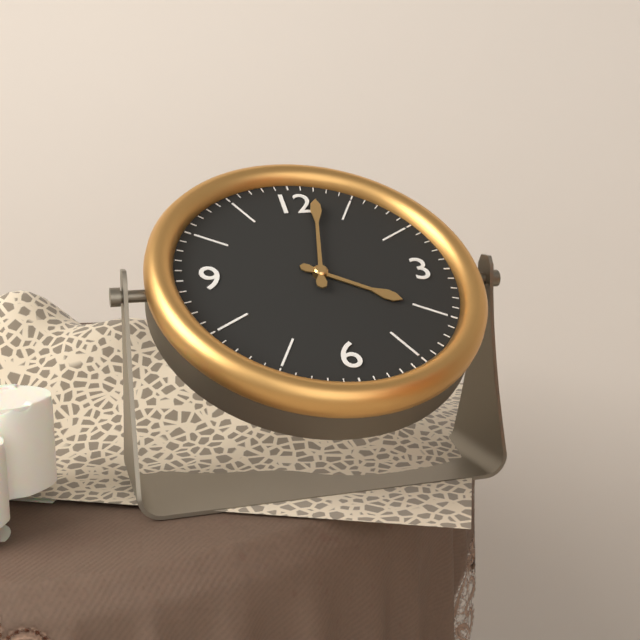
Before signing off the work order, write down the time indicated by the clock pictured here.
4:02
